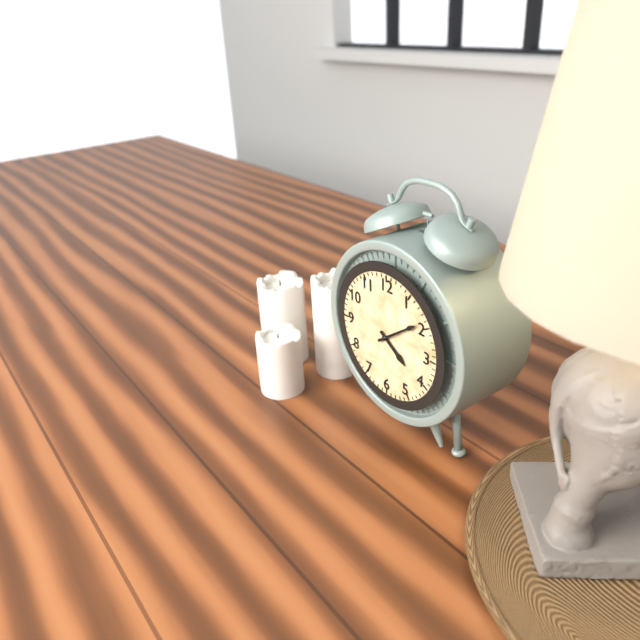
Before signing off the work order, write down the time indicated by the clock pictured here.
4:09
